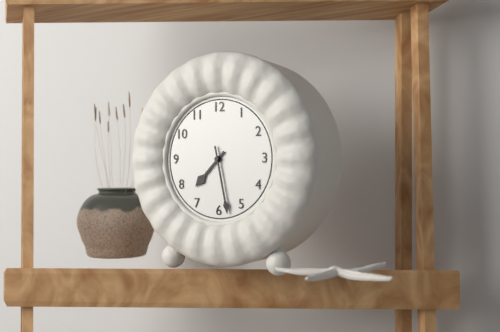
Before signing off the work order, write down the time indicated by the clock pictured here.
7:28
